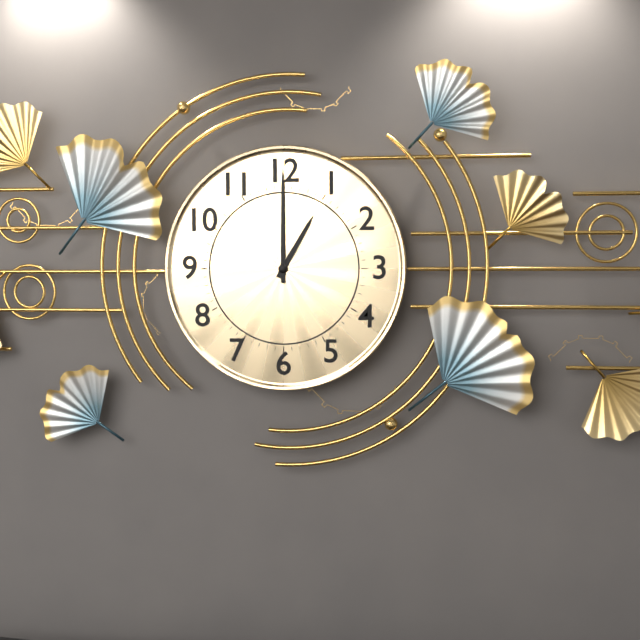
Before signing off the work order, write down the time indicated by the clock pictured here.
1:00
